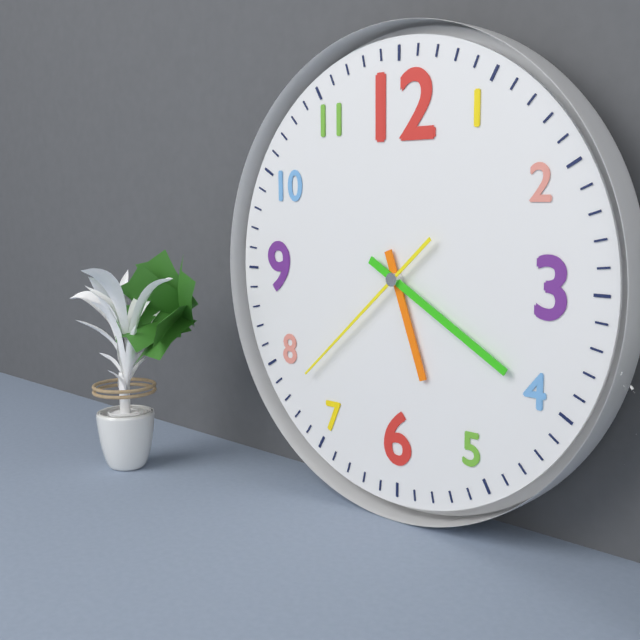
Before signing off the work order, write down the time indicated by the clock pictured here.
5:20:38
